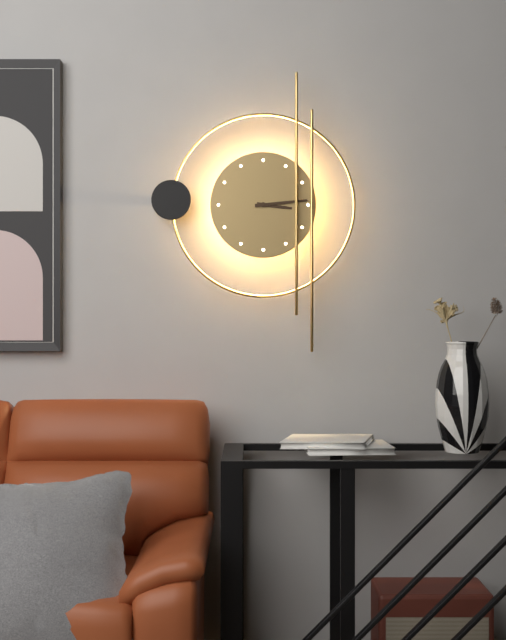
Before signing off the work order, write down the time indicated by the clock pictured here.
3:14
